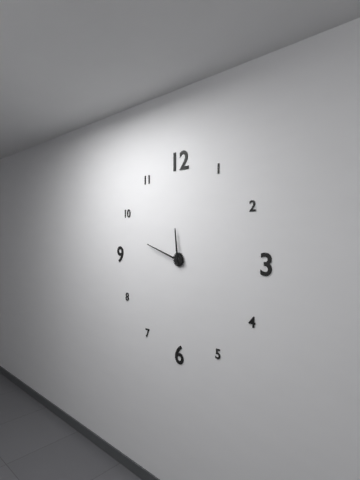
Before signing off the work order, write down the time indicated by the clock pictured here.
11:48
